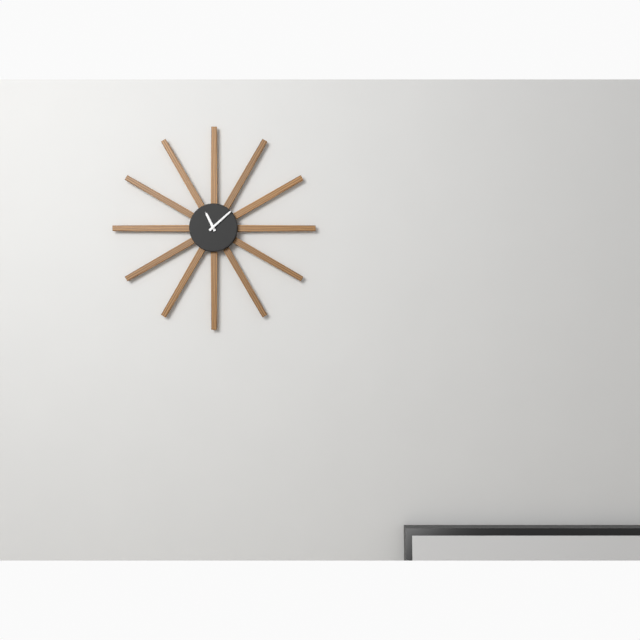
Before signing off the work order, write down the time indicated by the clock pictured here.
11:08
